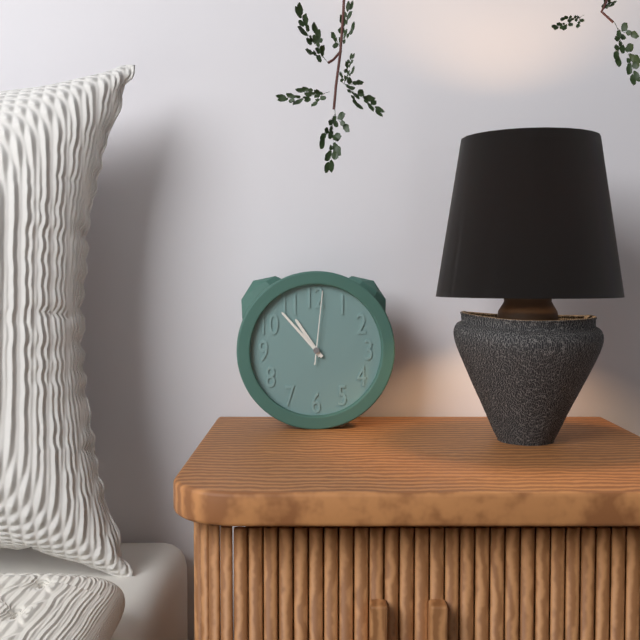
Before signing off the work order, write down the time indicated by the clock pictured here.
10:53:01
